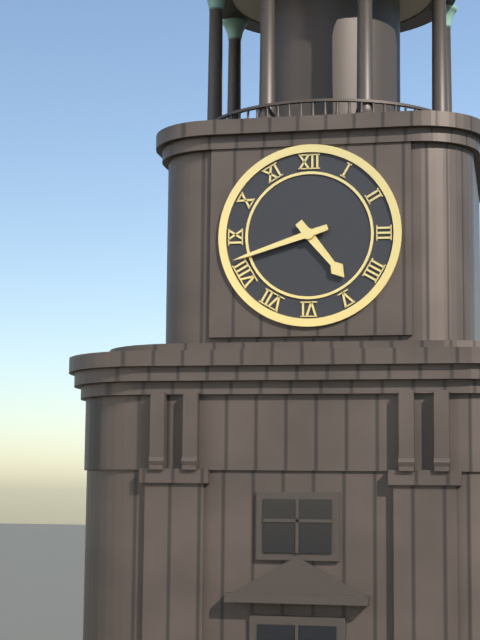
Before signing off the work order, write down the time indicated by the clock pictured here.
4:42
